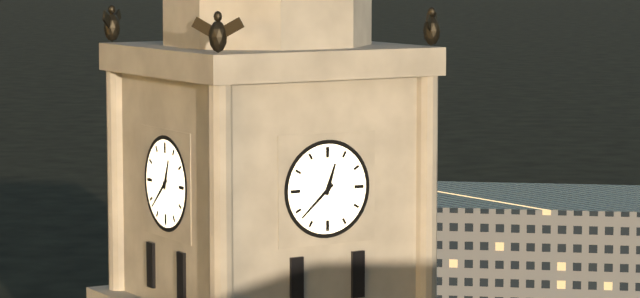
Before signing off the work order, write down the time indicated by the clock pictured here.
12:38
